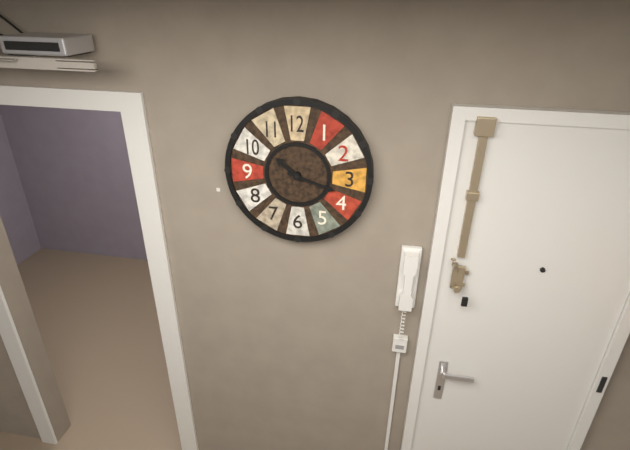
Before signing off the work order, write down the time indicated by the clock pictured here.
10:18
